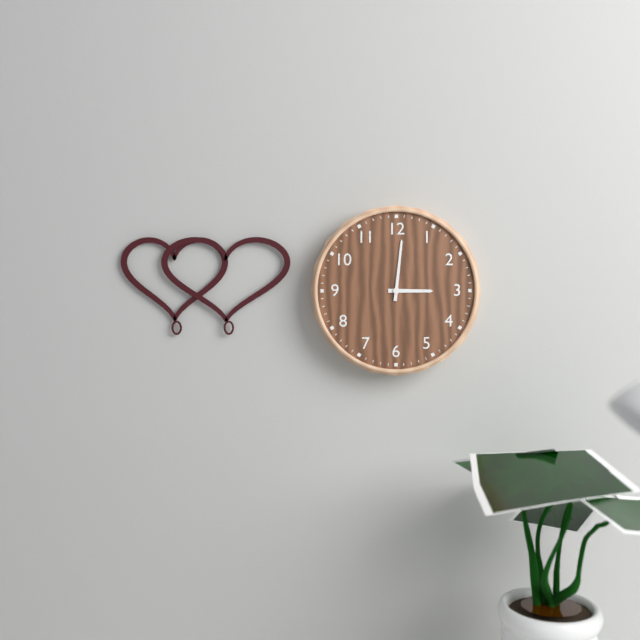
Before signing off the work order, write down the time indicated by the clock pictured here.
3:01
